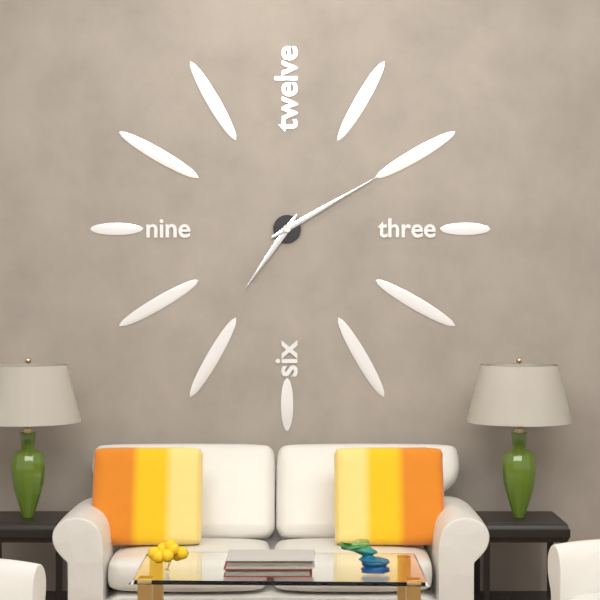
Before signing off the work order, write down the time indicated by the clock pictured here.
7:10
